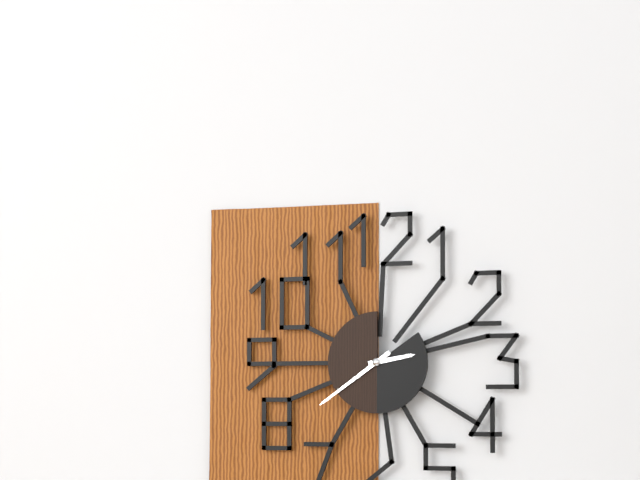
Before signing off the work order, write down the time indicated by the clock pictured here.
2:39
